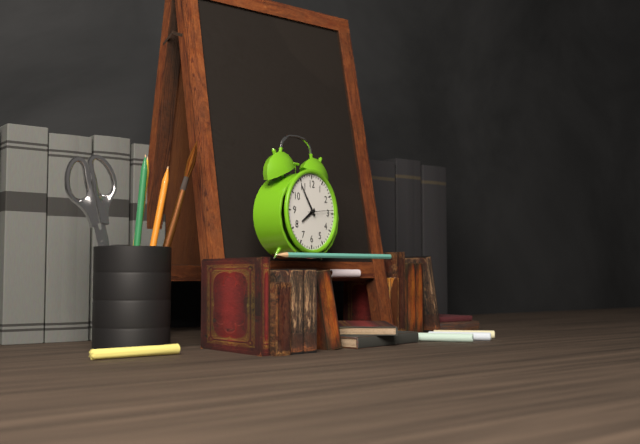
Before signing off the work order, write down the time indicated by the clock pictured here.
7:54
